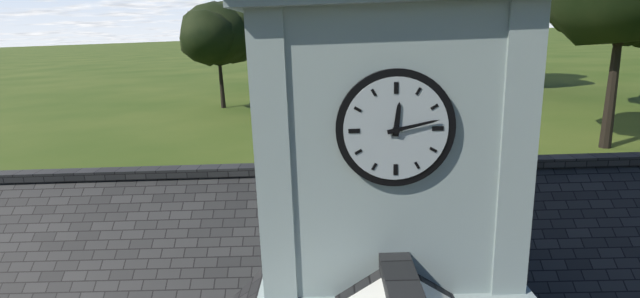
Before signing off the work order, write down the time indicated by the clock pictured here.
12:13
